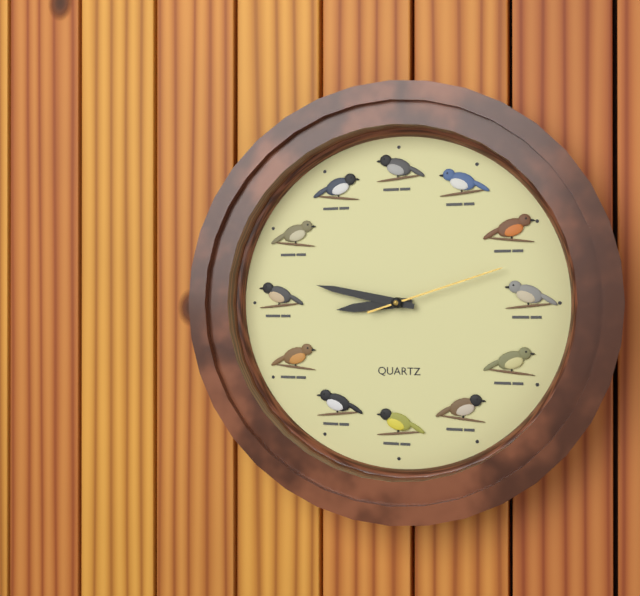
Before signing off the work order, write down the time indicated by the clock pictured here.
8:47:12
